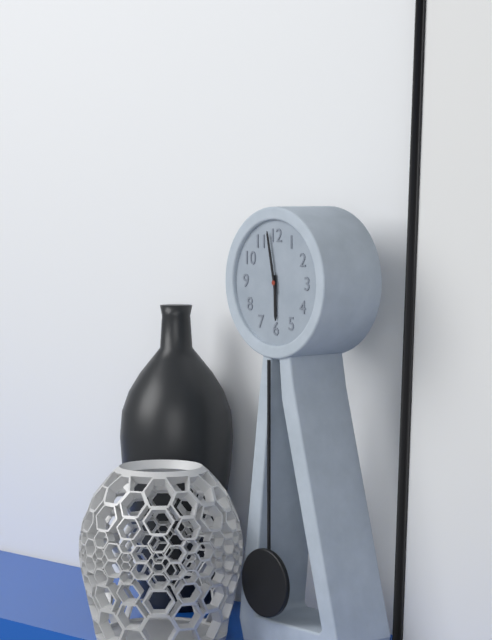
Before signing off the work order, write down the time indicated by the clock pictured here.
5:58
